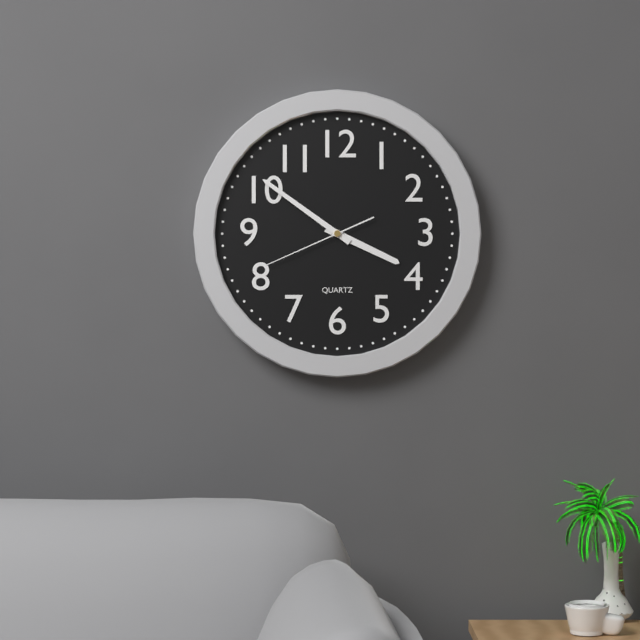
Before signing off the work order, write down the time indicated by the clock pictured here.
3:51:41
